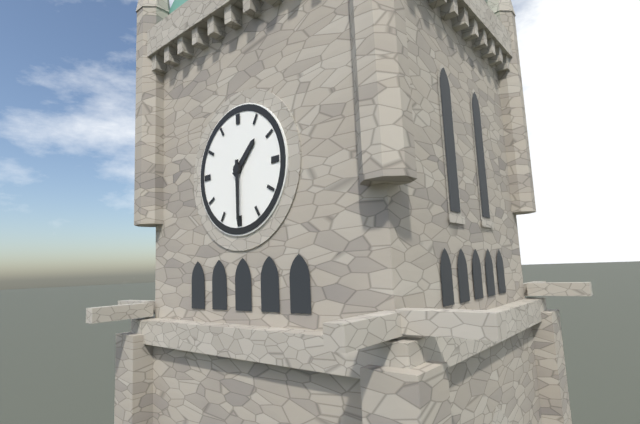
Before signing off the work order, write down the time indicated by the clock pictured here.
1:30
